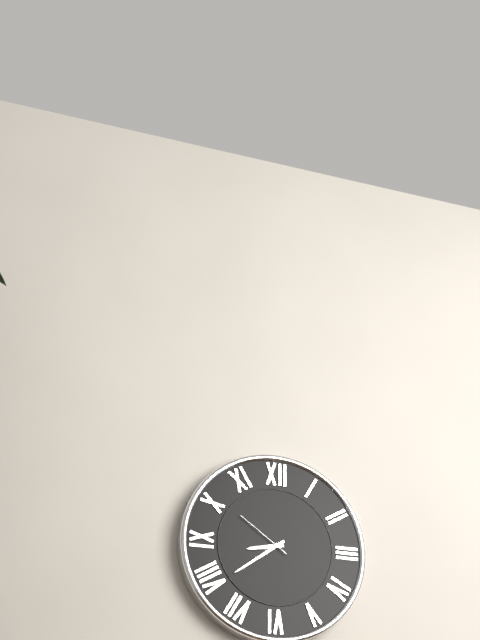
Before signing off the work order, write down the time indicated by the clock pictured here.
8:39:51
